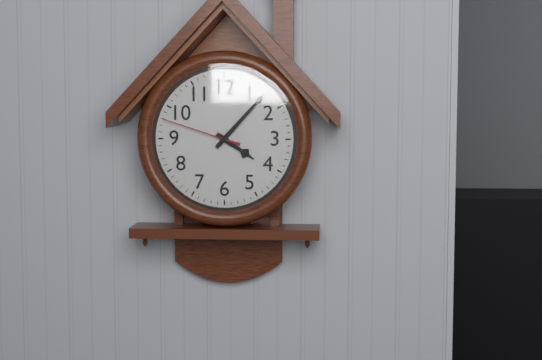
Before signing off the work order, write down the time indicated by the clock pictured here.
4:07:48
